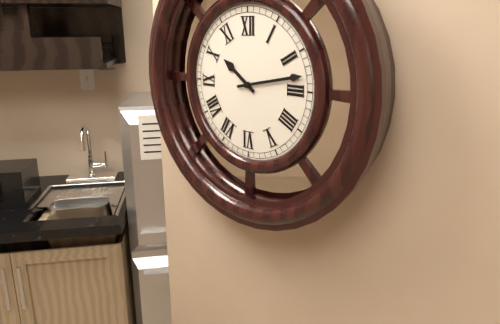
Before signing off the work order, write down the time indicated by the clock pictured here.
10:13
